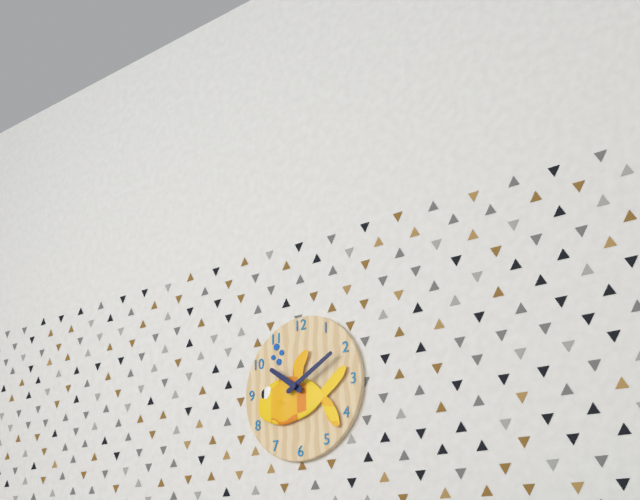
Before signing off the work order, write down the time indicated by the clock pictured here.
10:10
